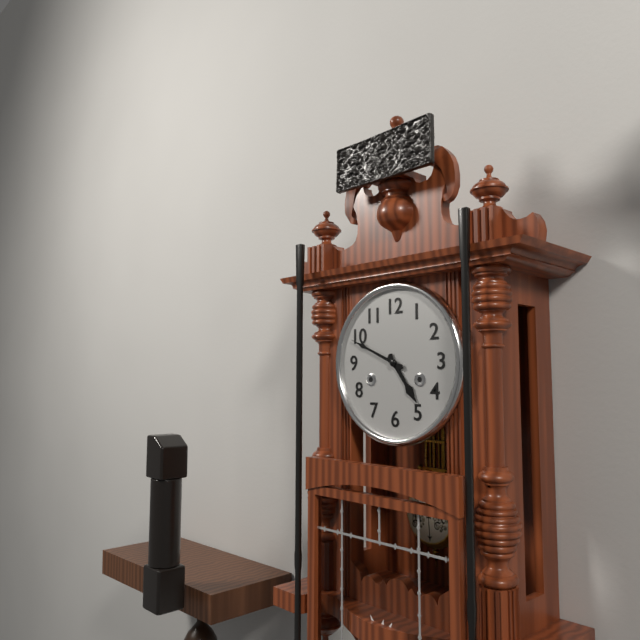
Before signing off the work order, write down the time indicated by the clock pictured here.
4:49
